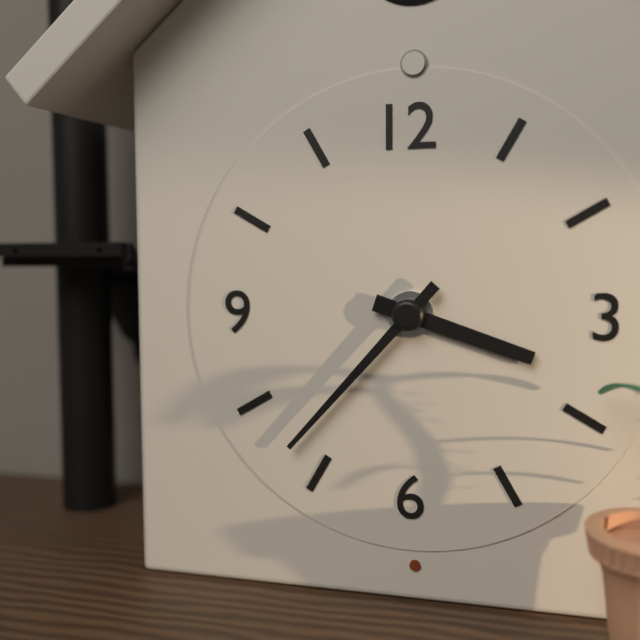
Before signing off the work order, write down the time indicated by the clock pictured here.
3:37
